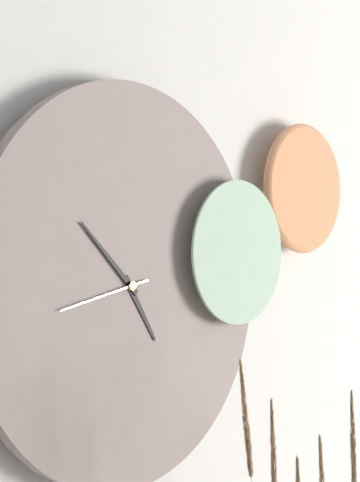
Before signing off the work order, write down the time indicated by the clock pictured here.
4:52:43
